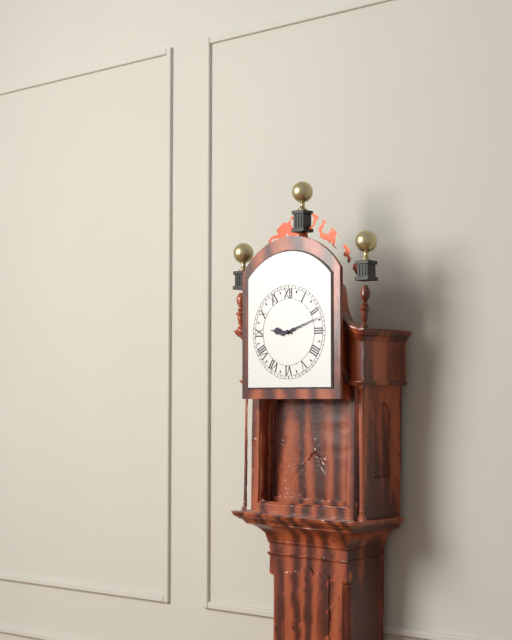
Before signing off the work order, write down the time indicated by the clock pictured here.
9:12
